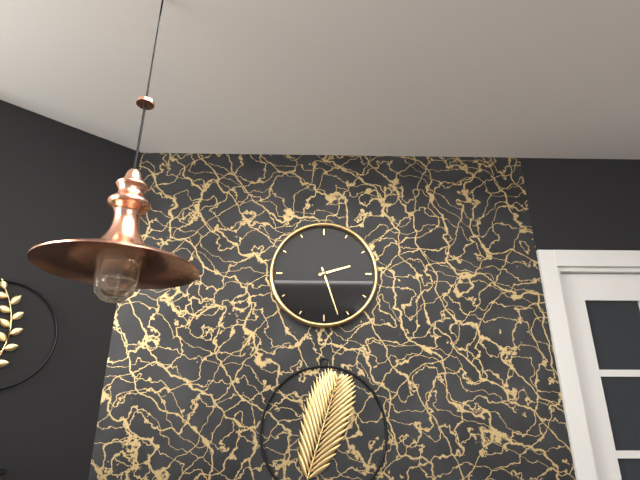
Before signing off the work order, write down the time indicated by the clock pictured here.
2:27
